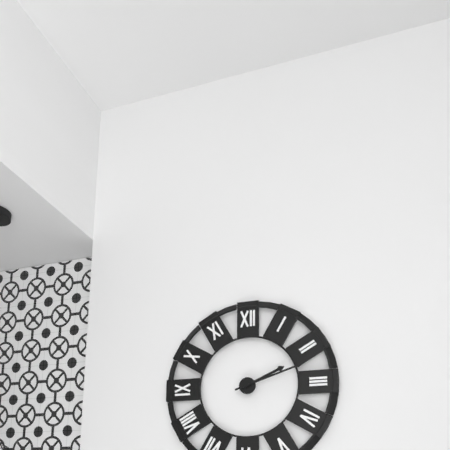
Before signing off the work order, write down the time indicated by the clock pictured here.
2:12
